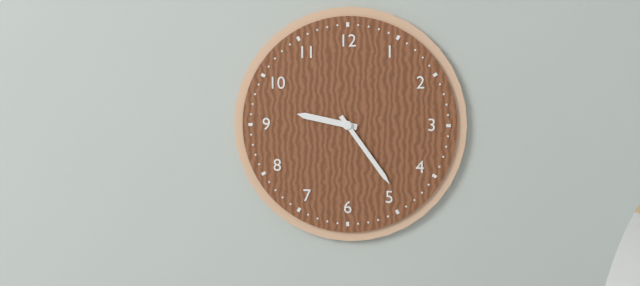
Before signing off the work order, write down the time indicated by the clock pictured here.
9:24
